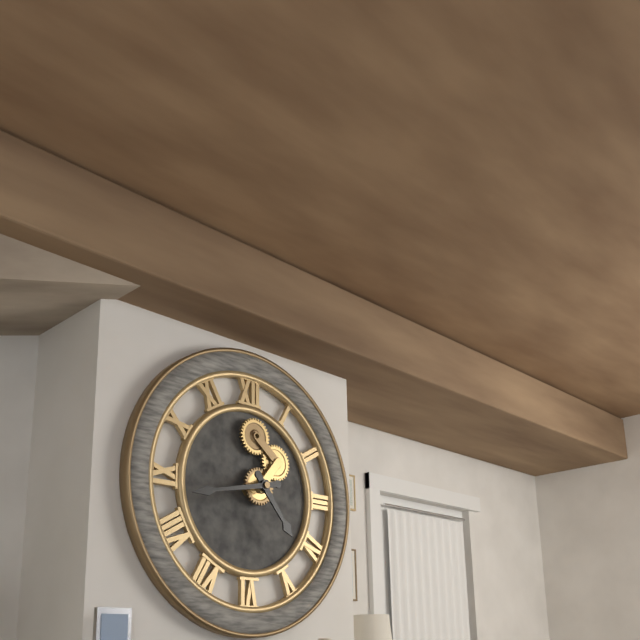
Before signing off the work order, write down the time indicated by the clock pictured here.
4:43
